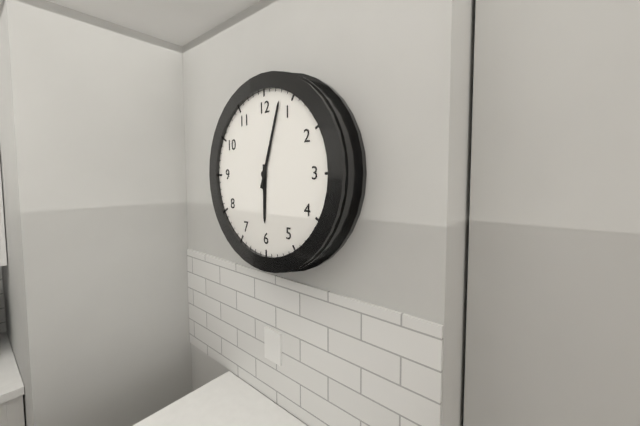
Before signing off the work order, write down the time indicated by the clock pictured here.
6:03
